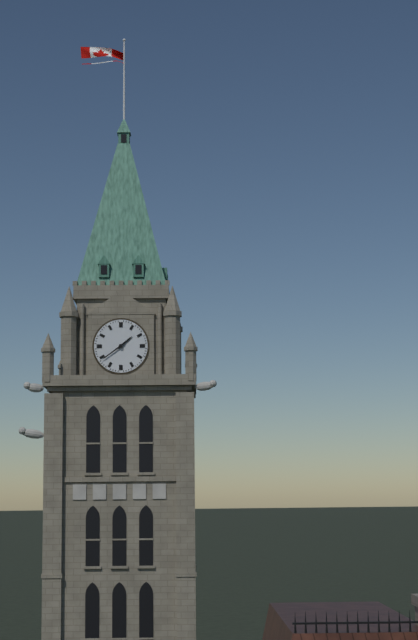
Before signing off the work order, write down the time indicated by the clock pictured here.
1:39
